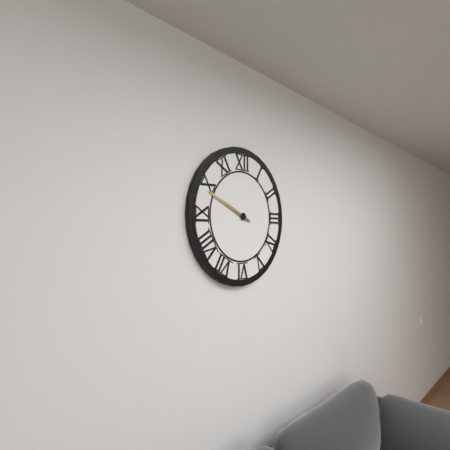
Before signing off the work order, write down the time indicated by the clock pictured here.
9:49
